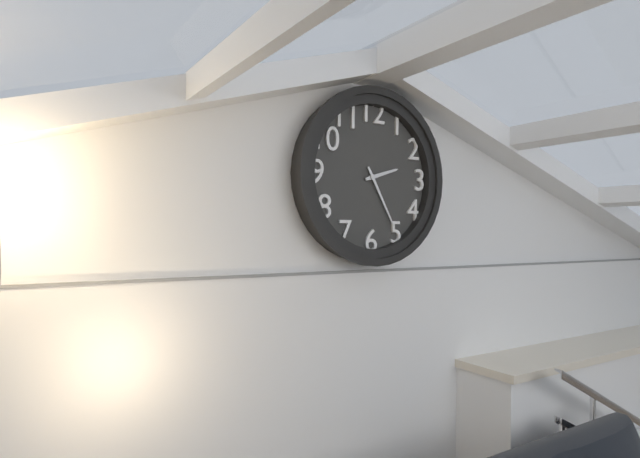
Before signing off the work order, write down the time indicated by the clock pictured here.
2:25
